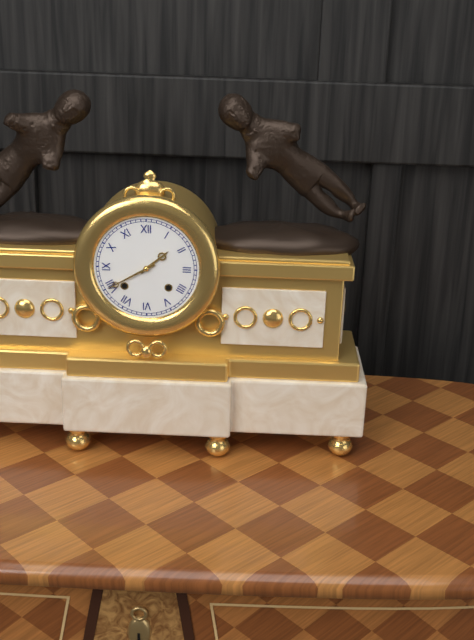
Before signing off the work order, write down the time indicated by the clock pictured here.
1:40
